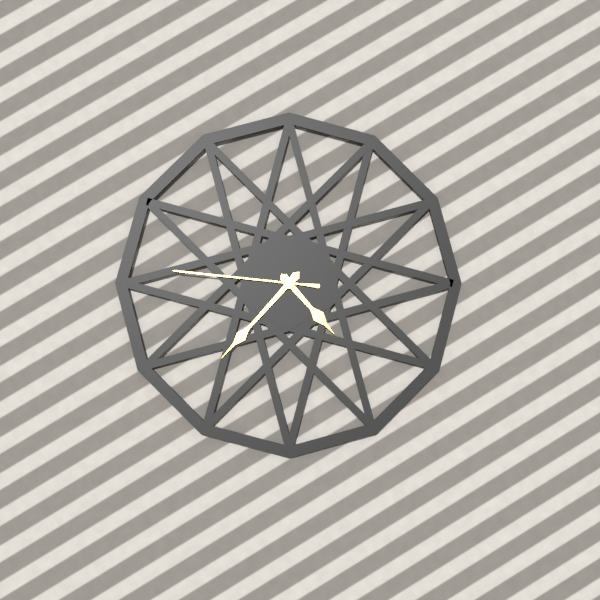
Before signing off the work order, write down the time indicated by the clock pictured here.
4:37:46
